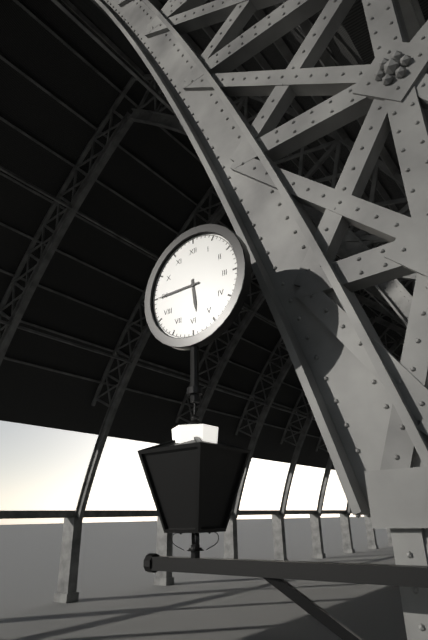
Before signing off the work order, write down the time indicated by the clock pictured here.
5:45
